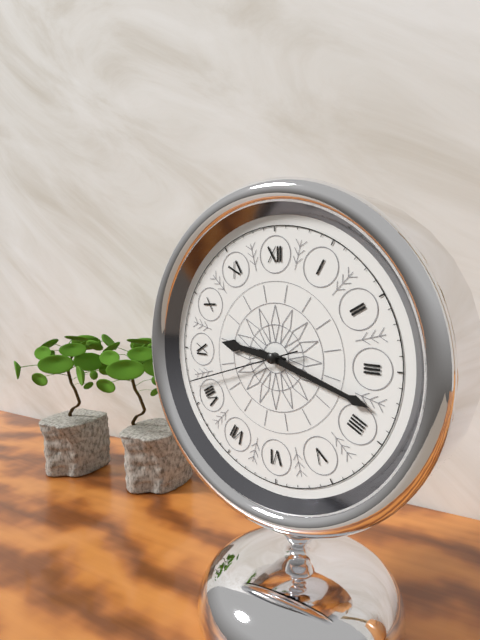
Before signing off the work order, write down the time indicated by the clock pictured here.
9:18:42
